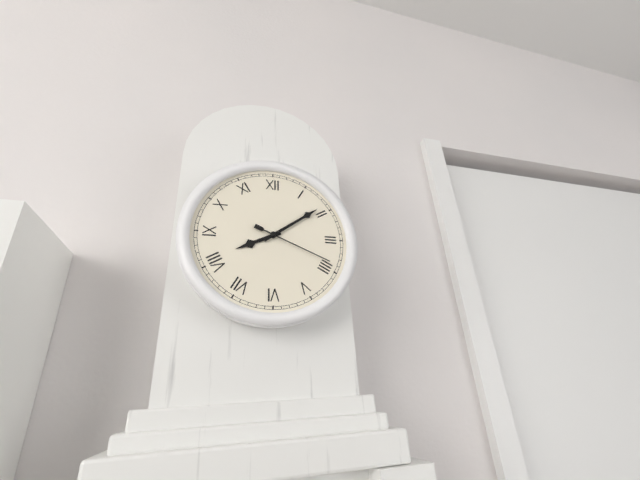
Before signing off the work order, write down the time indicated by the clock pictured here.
8:09:19
